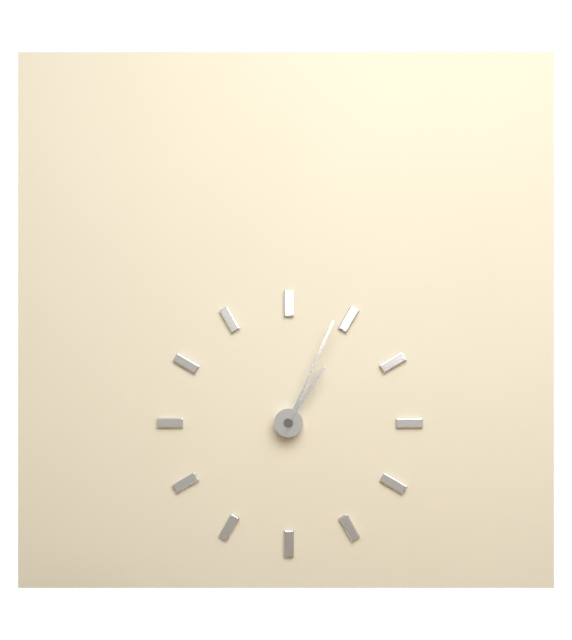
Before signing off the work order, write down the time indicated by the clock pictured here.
1:04
